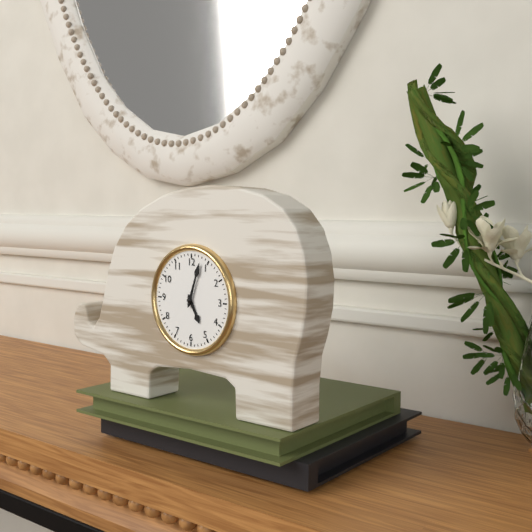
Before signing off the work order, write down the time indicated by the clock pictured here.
5:03
